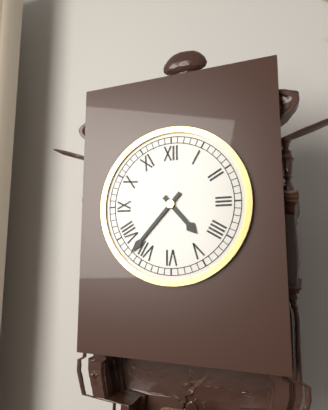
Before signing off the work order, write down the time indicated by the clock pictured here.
4:37
